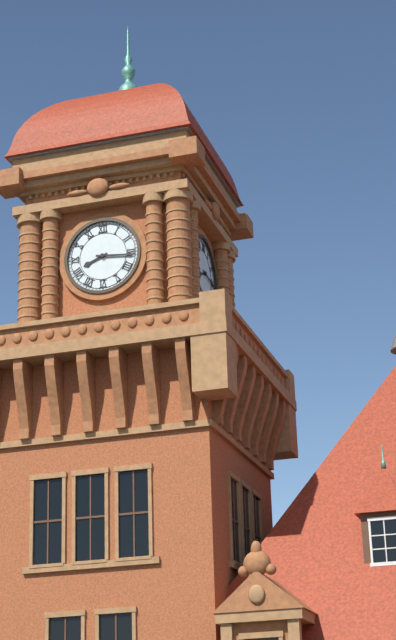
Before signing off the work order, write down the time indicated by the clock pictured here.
8:16
